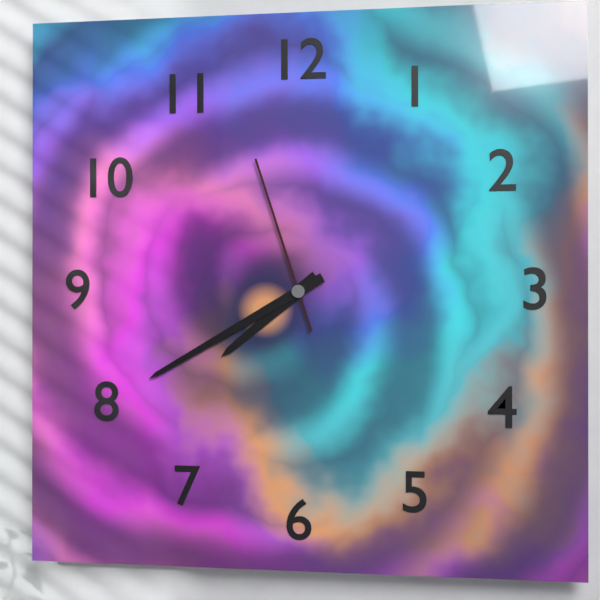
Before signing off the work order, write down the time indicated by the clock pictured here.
7:40:57
